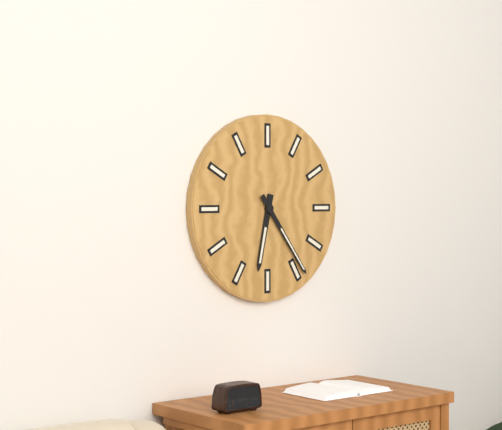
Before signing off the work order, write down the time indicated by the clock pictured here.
6:24
